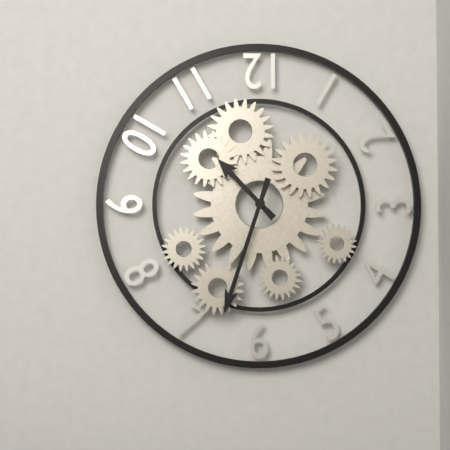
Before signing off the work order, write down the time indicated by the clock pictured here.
10:33
